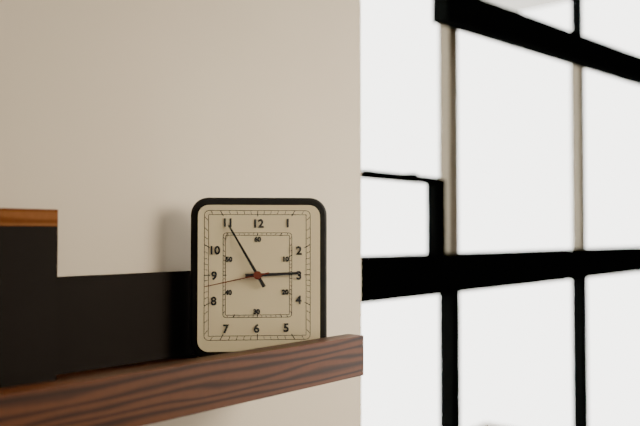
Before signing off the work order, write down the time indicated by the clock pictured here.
2:55:43
